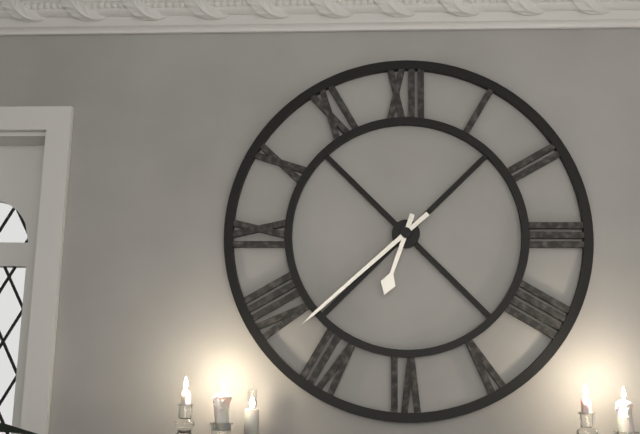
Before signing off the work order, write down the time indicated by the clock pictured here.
6:38
